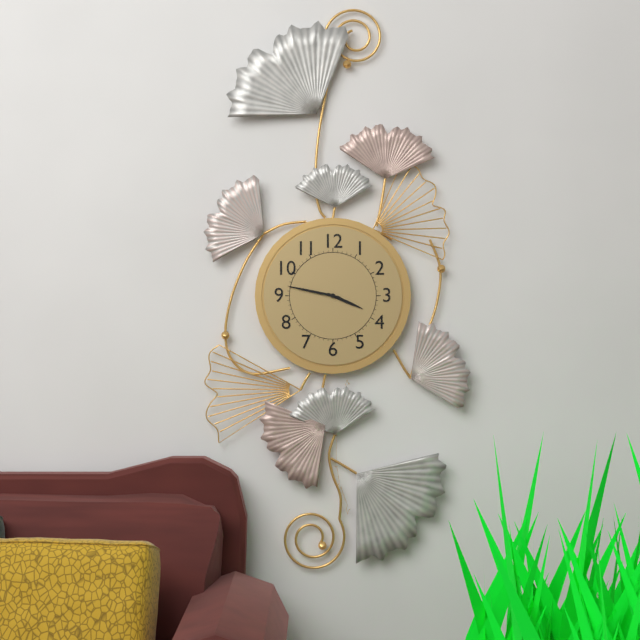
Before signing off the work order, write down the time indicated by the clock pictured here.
3:47
